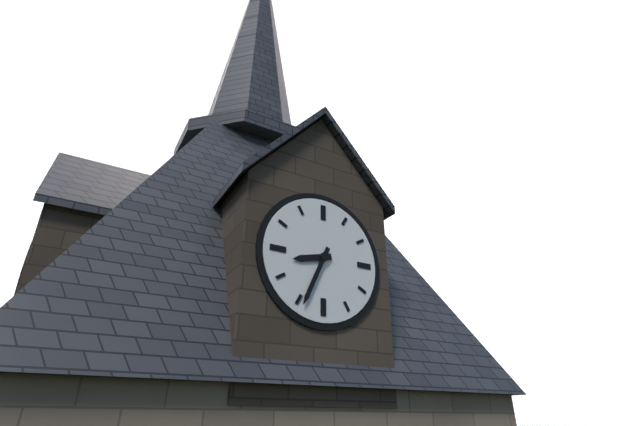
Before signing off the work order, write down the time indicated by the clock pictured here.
8:34
